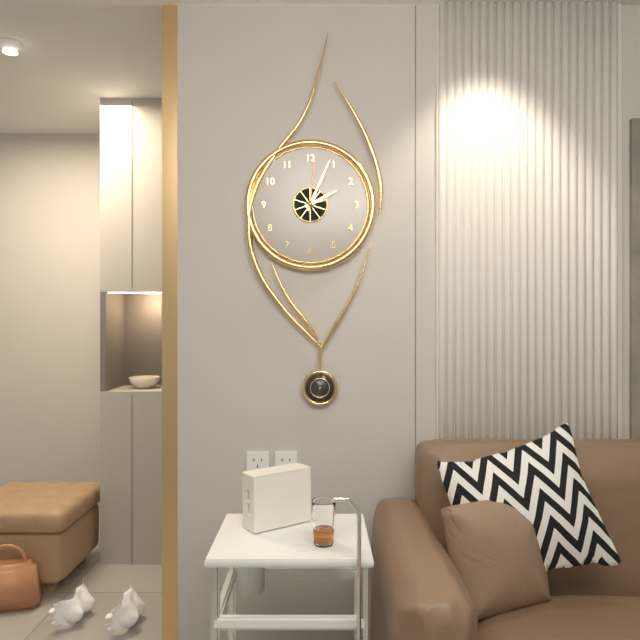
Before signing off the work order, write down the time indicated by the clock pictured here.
2:04:01
